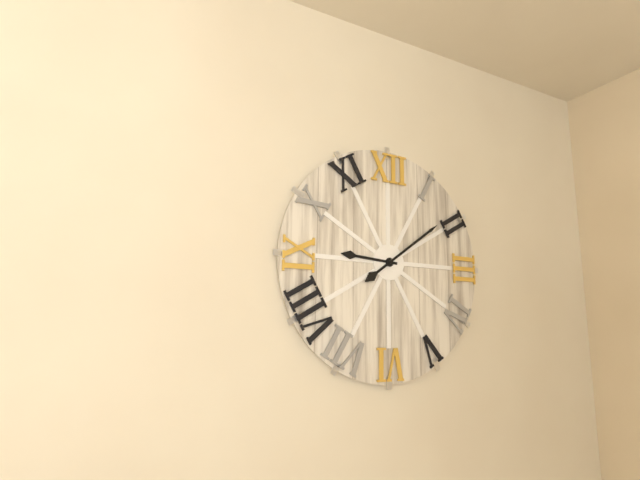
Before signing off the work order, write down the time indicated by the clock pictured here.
9:09
